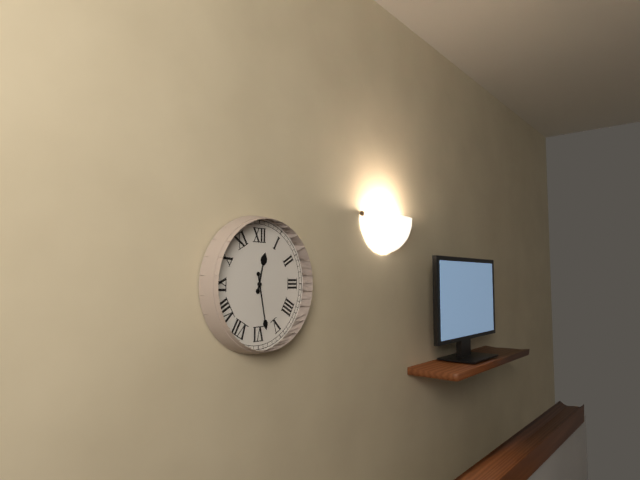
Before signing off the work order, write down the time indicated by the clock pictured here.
12:28
